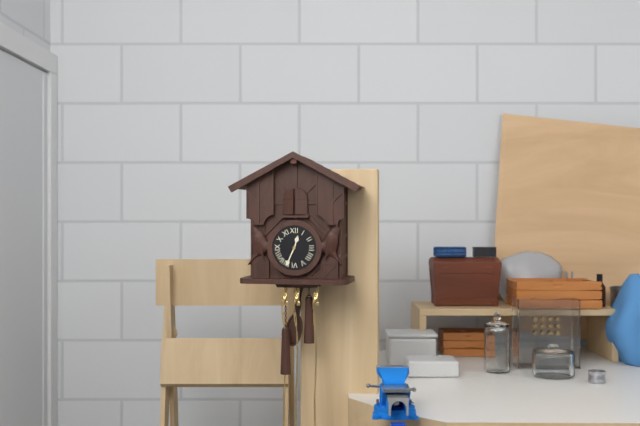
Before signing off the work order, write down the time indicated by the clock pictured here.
12:34
